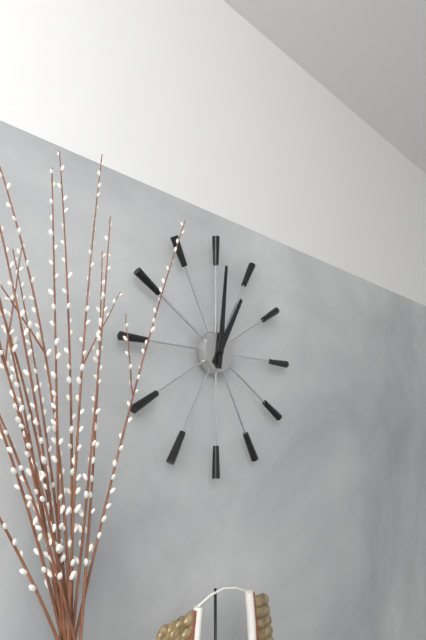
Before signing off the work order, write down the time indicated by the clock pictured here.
1:01
